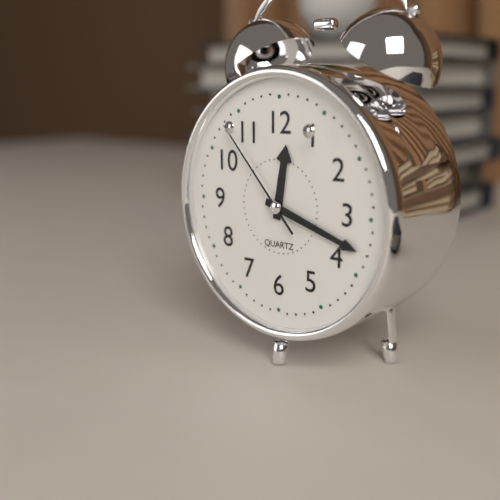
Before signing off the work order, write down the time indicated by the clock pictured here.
12:18:53
